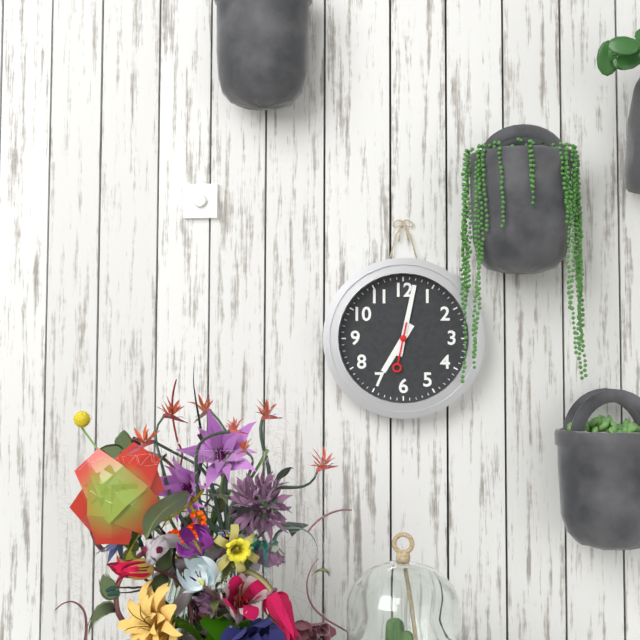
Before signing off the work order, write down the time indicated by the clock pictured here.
7:02
